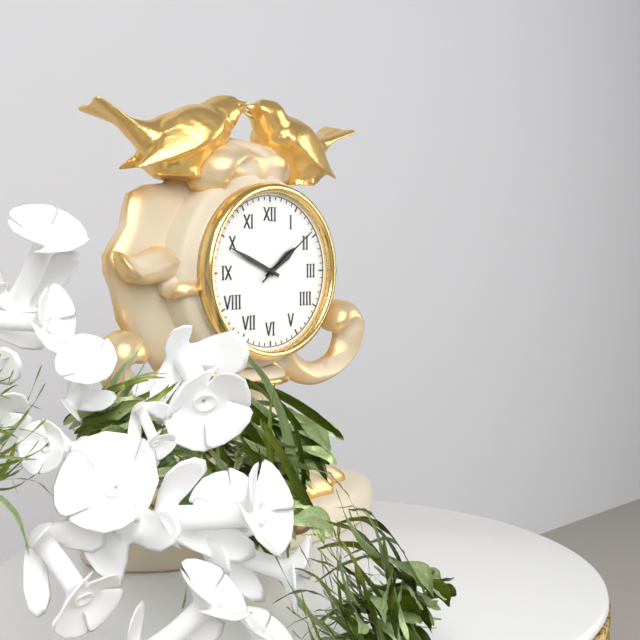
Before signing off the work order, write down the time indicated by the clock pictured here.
1:49:09
